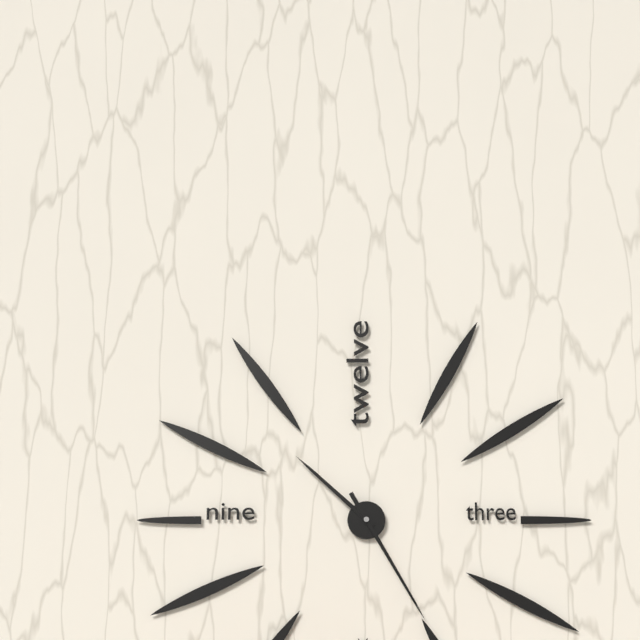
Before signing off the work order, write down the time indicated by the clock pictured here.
10:25
